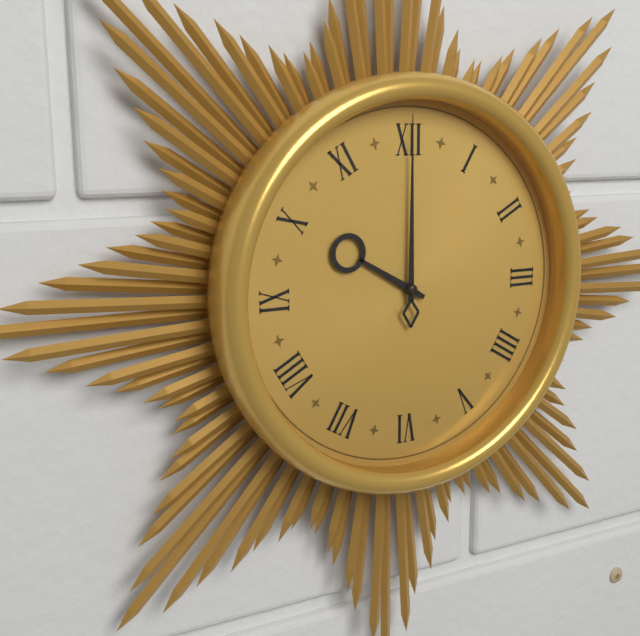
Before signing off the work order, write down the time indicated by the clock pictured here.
10:00
